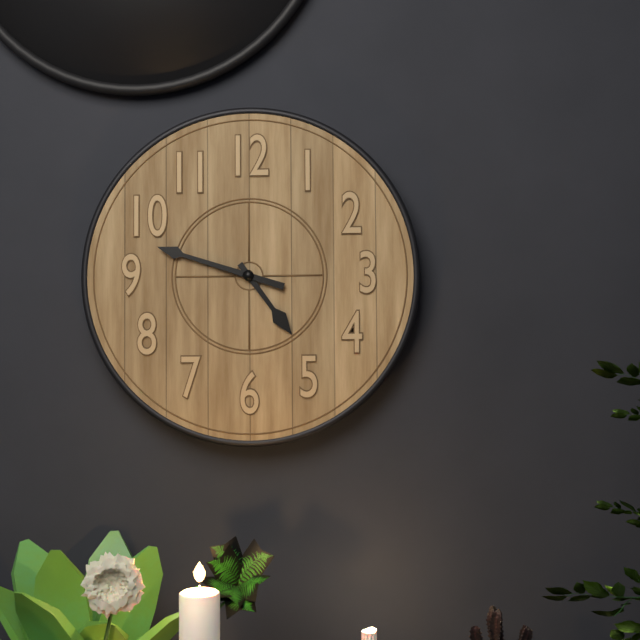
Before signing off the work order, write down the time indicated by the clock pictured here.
4:48
